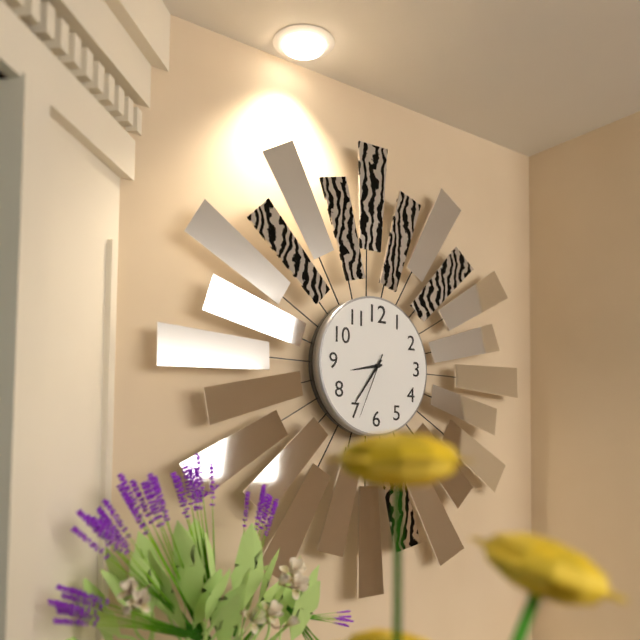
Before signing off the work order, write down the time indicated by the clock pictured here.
8:36:34
